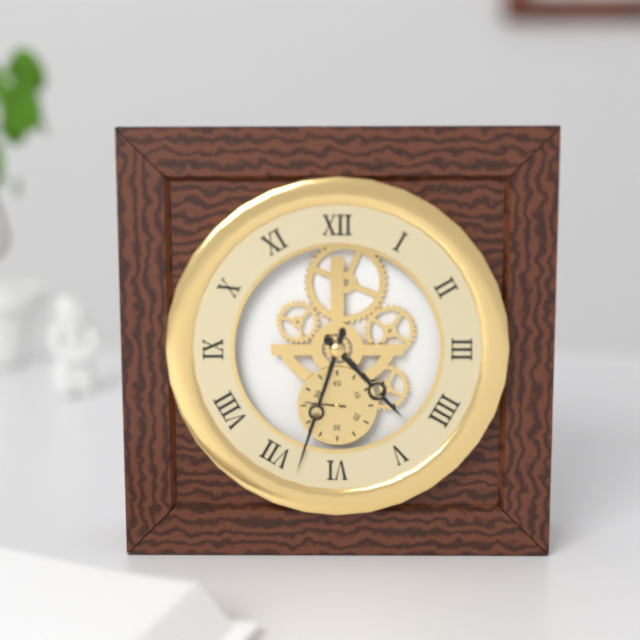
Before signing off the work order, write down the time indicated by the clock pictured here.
4:33
